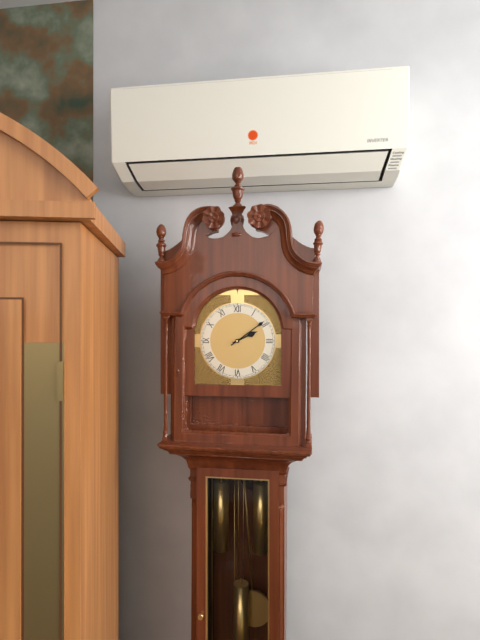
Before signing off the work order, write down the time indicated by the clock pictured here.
2:09
